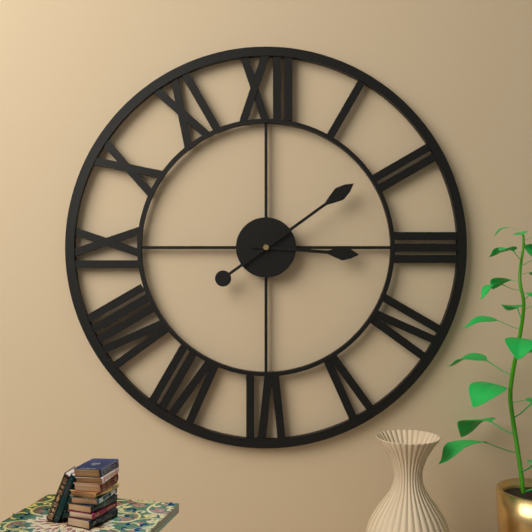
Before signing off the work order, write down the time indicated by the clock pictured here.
3:09
